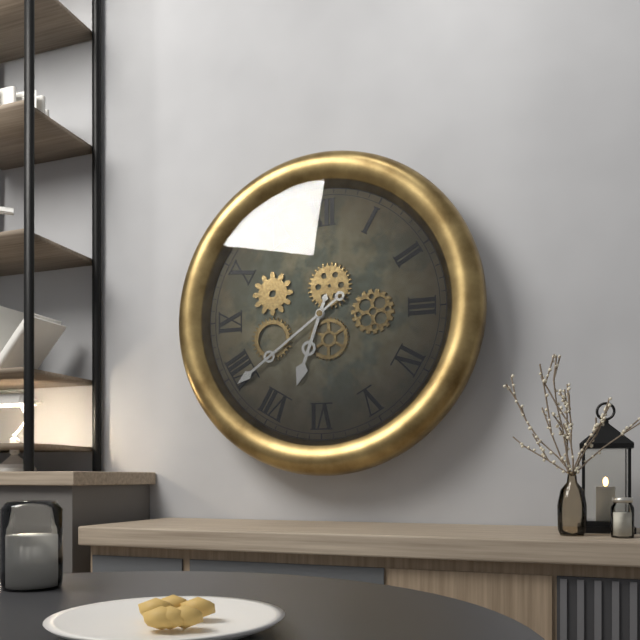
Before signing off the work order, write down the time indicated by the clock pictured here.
6:39
